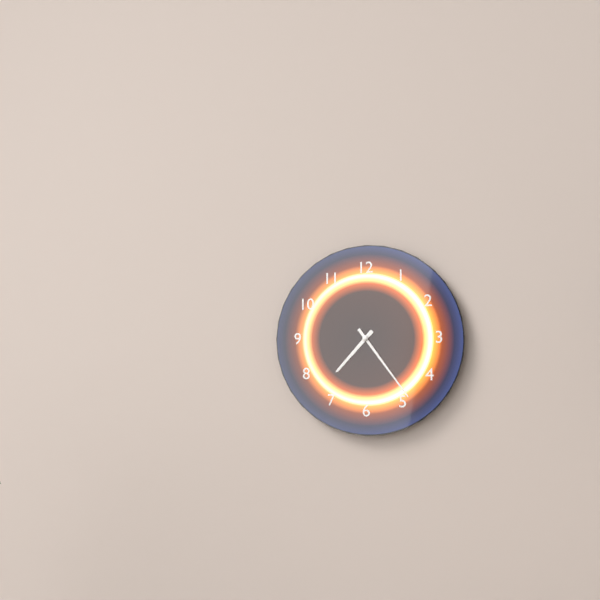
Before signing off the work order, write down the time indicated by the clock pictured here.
7:24
